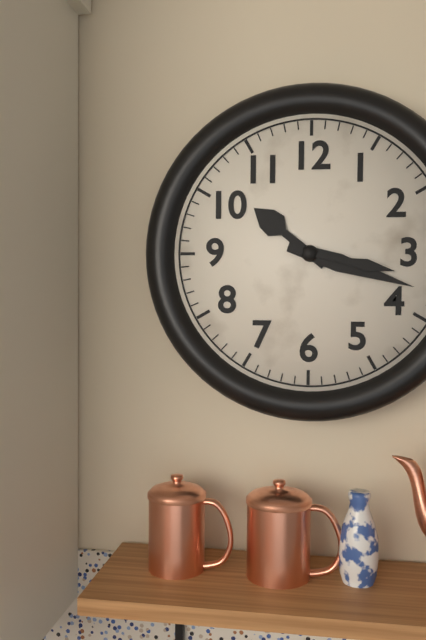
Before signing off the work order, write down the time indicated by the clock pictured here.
10:18:17
